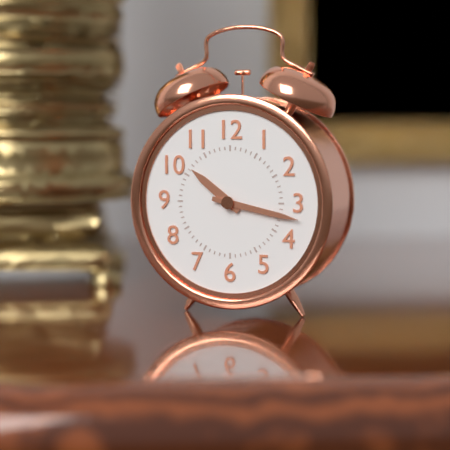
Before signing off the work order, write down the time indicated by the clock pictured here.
10:17
